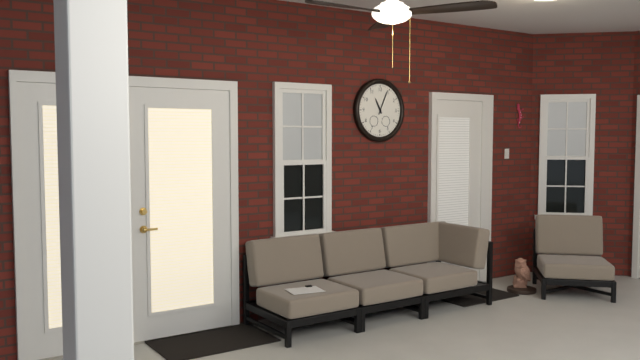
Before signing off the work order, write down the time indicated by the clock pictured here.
11:04
